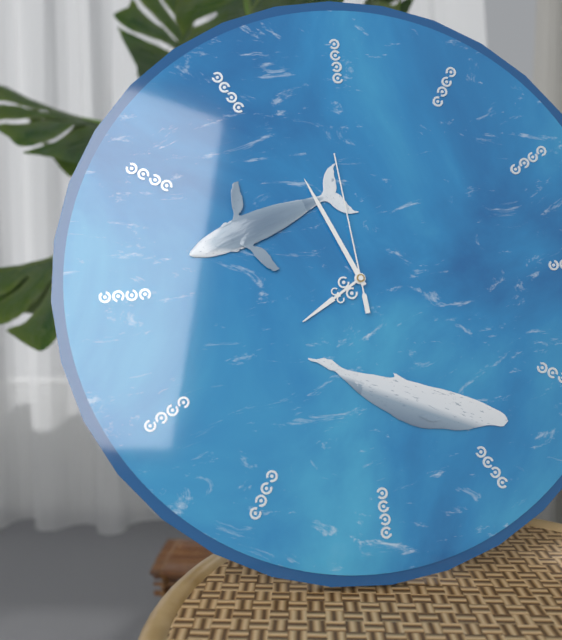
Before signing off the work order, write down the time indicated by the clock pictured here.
7:56:59
